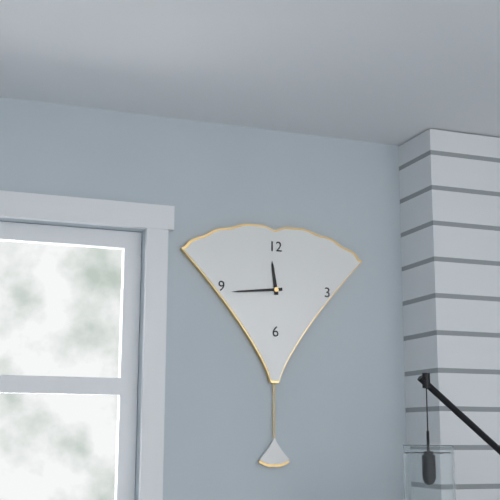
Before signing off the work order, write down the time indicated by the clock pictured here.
11:44
